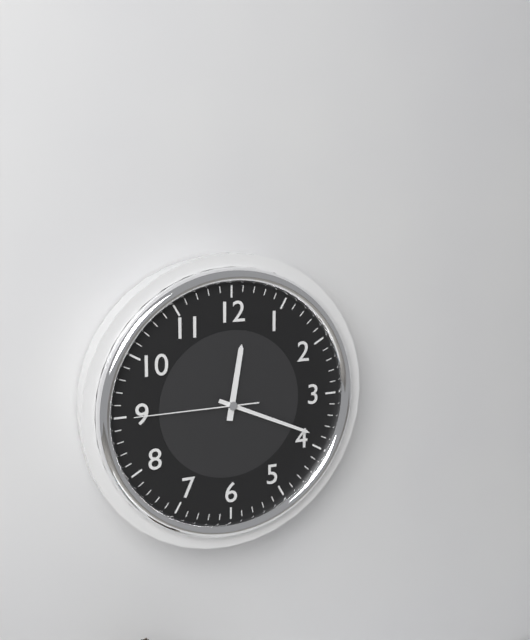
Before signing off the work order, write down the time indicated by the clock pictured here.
12:19:45
